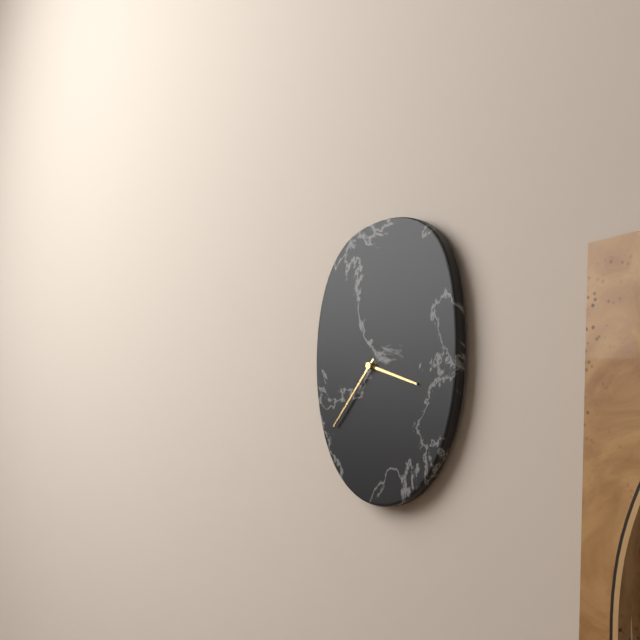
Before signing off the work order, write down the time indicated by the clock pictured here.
3:37
